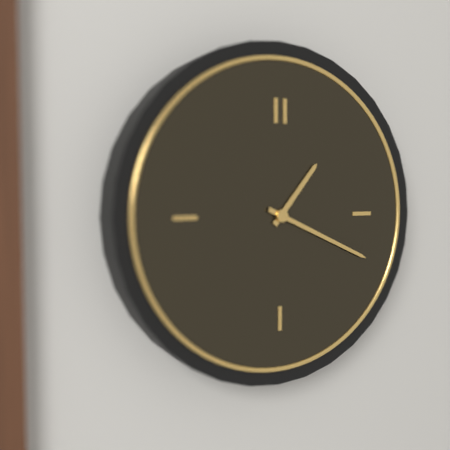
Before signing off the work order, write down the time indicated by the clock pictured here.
1:19
